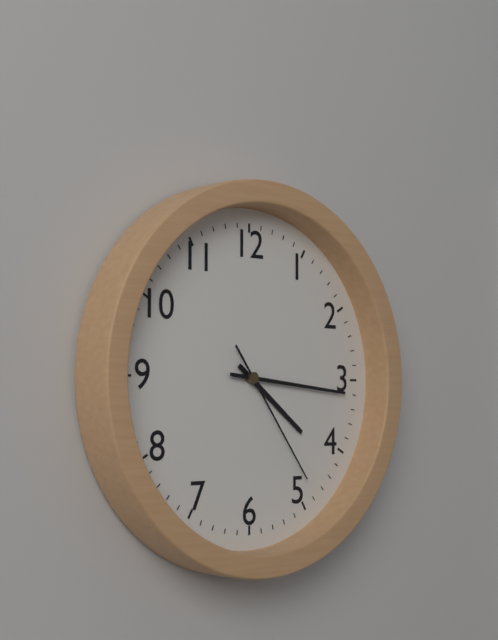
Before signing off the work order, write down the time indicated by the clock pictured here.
4:16:24
